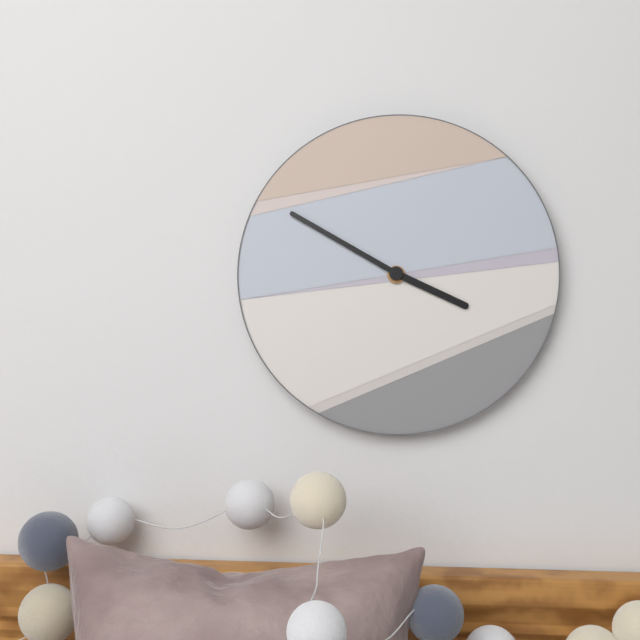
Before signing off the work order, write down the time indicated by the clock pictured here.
3:50
